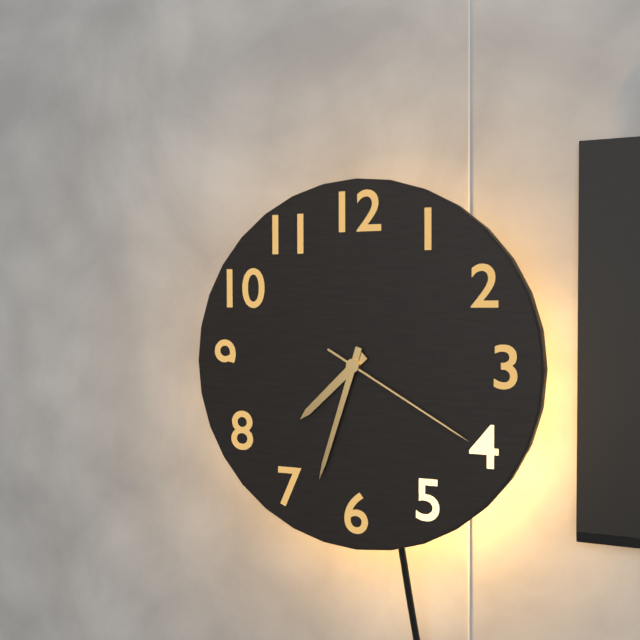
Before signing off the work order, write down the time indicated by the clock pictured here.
7:33:20
